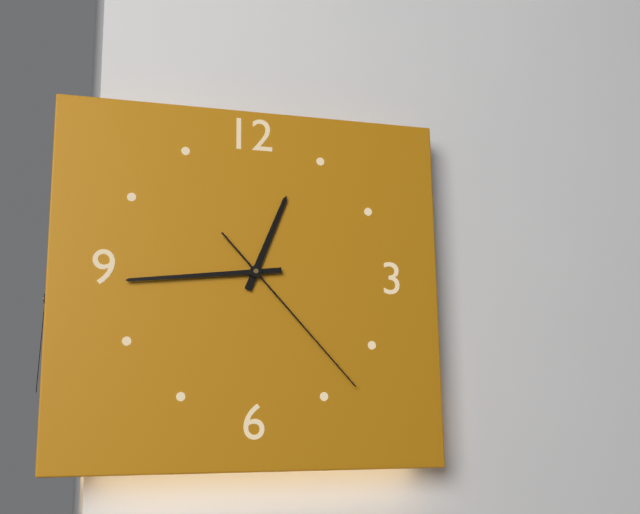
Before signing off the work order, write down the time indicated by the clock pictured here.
12:44:23
